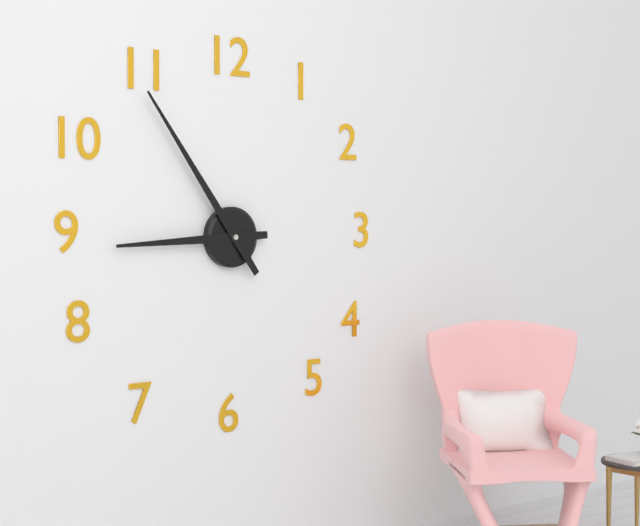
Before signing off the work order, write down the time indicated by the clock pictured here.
8:54
